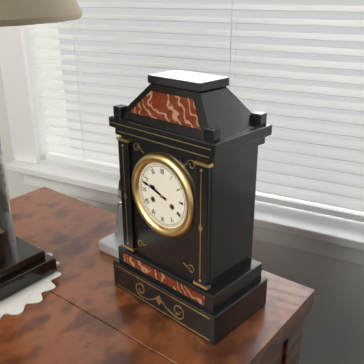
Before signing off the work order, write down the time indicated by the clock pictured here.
9:48
